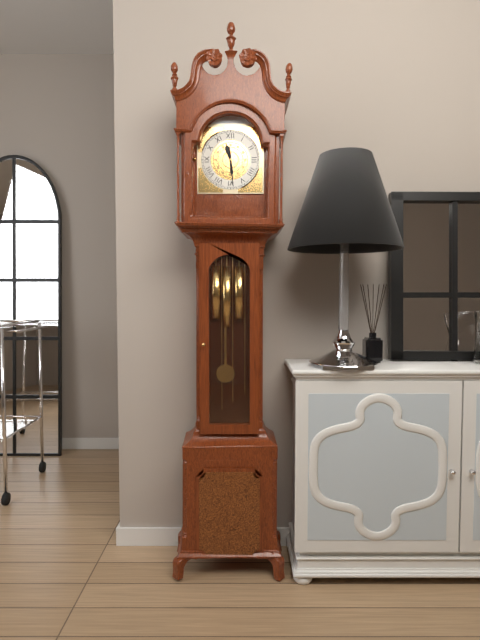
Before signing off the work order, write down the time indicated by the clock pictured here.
11:29
